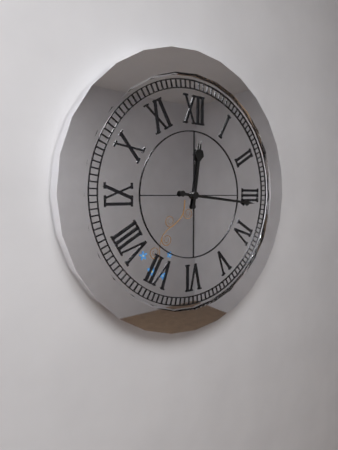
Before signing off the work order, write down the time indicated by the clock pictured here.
12:16
